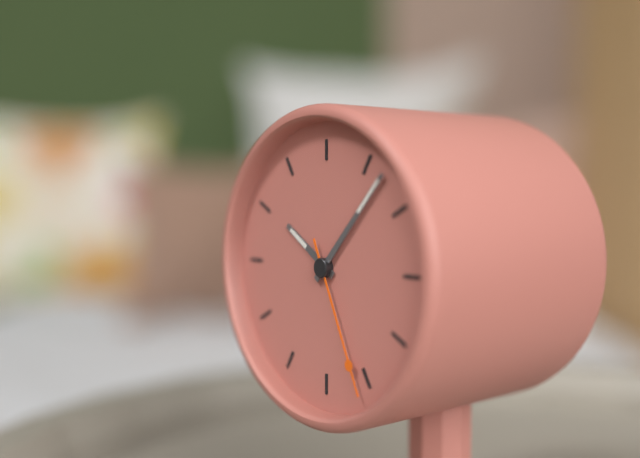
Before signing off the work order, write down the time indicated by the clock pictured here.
10:07:26
